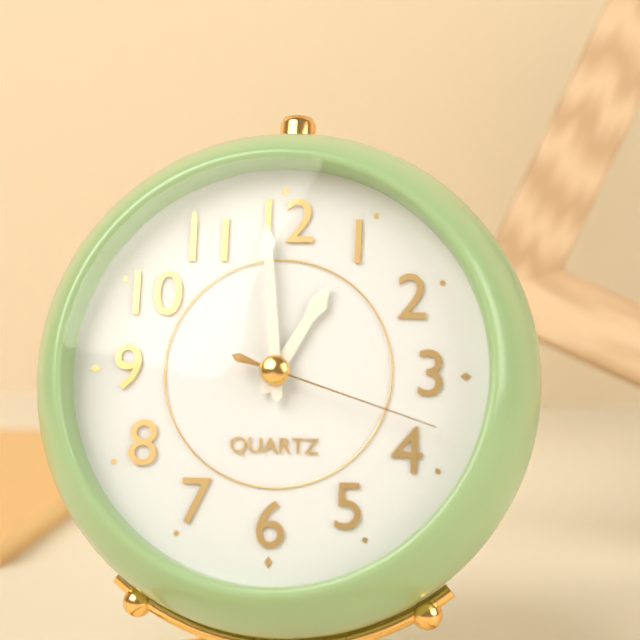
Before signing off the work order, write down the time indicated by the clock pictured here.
12:59:18
